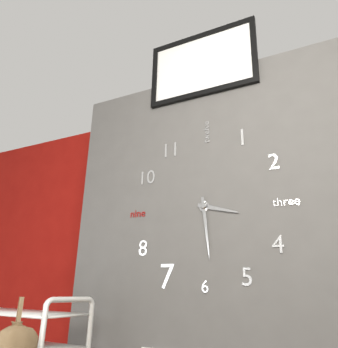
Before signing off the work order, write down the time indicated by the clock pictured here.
3:29
